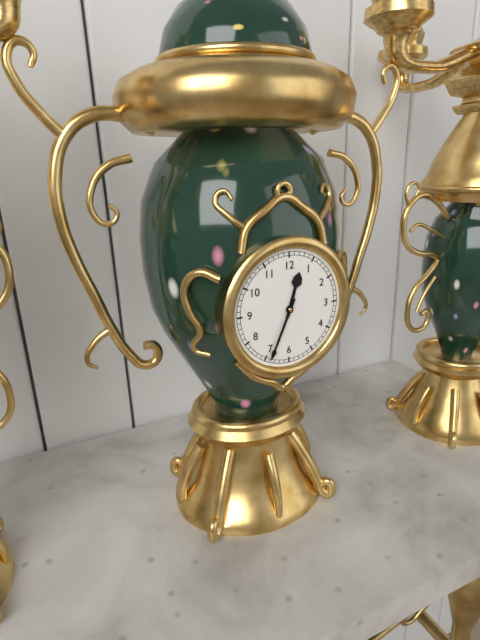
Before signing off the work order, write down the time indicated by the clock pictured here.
12:34
